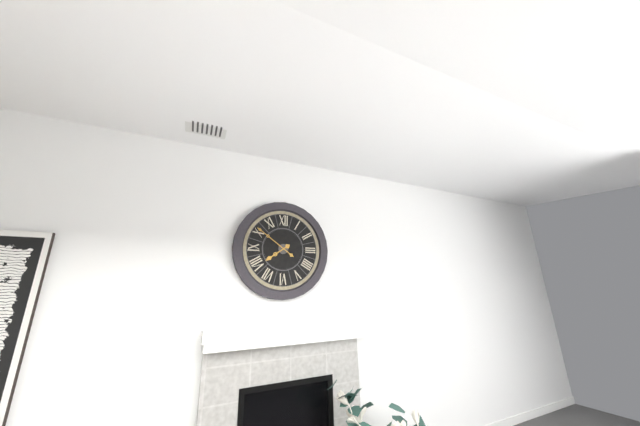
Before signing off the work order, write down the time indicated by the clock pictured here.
7:51
